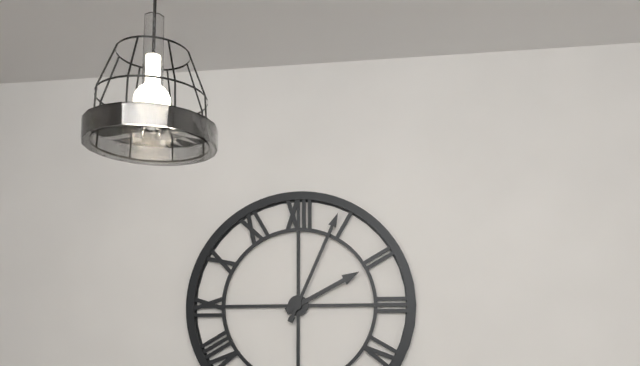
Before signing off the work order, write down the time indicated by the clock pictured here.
2:04
